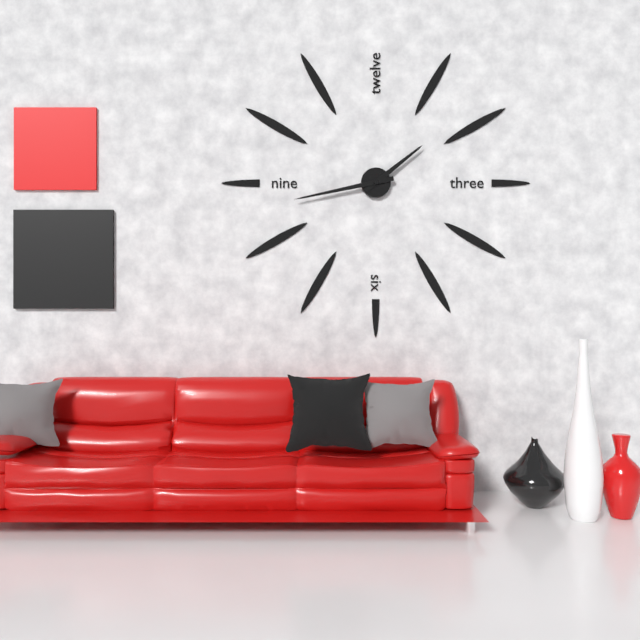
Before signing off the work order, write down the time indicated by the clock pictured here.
1:43
